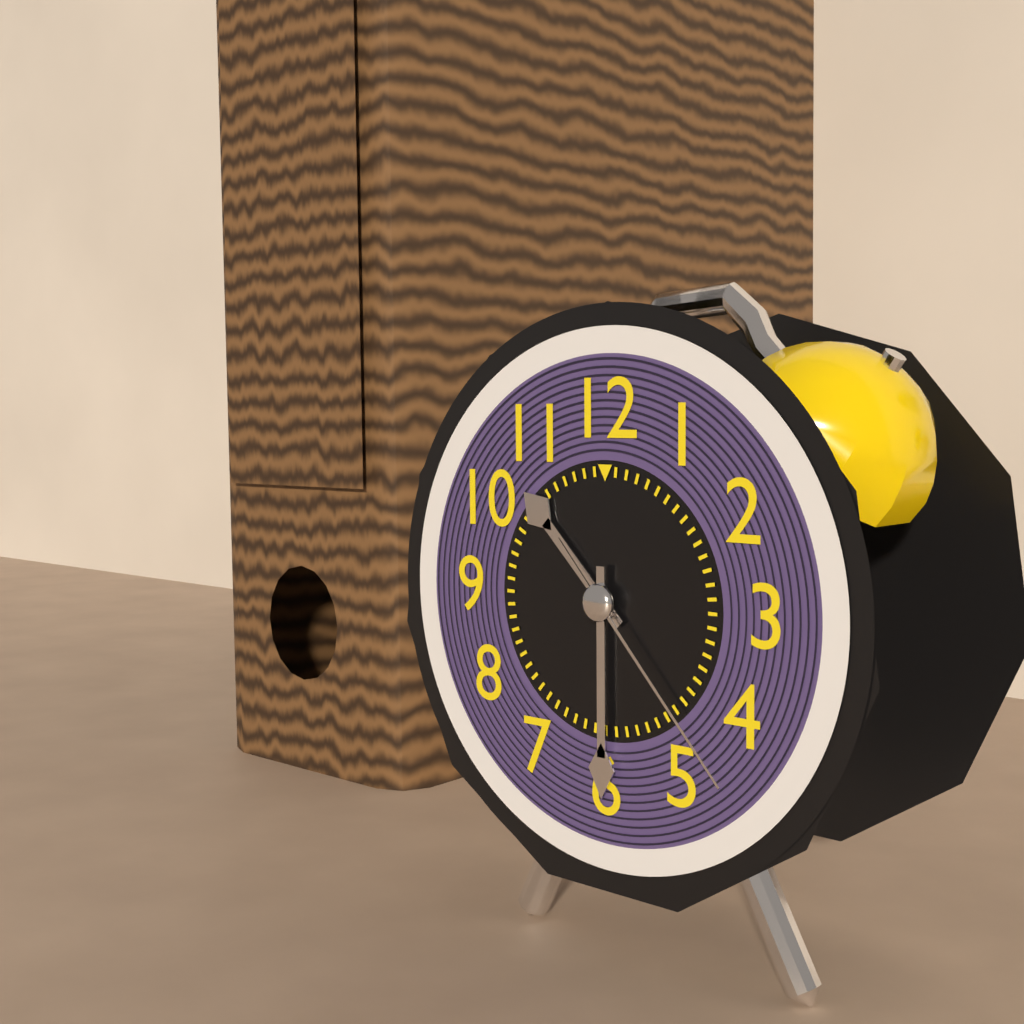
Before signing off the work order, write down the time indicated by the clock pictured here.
10:30:23
